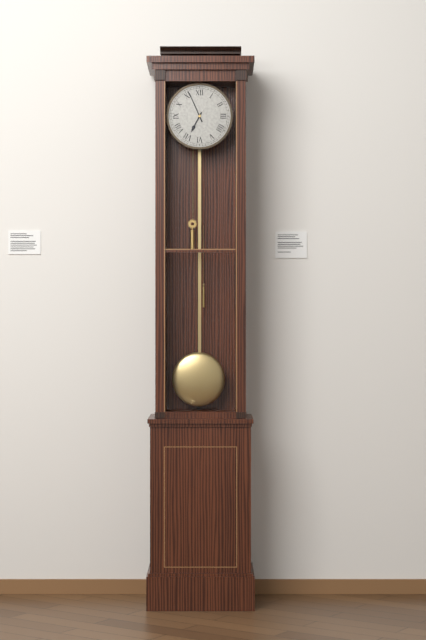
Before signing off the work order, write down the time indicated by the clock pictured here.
6:56
